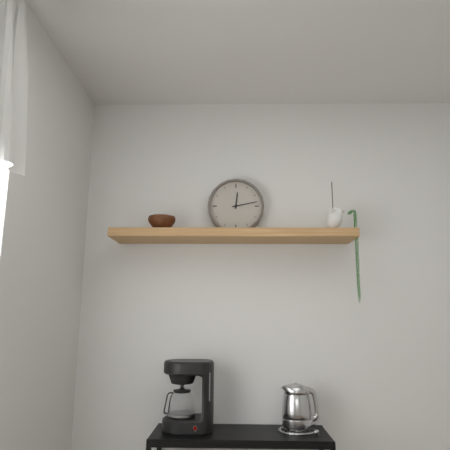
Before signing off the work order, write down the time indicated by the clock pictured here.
12:13
